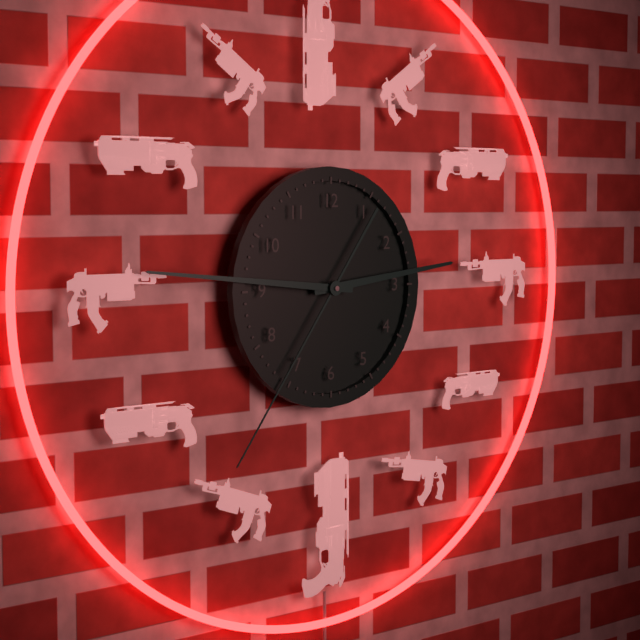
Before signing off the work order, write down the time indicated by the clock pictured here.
2:46:36
